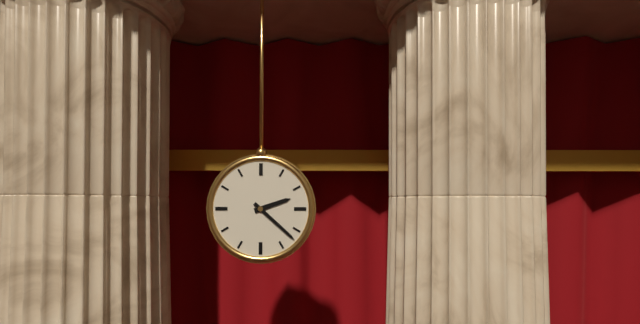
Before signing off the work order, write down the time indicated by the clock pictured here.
2:22
